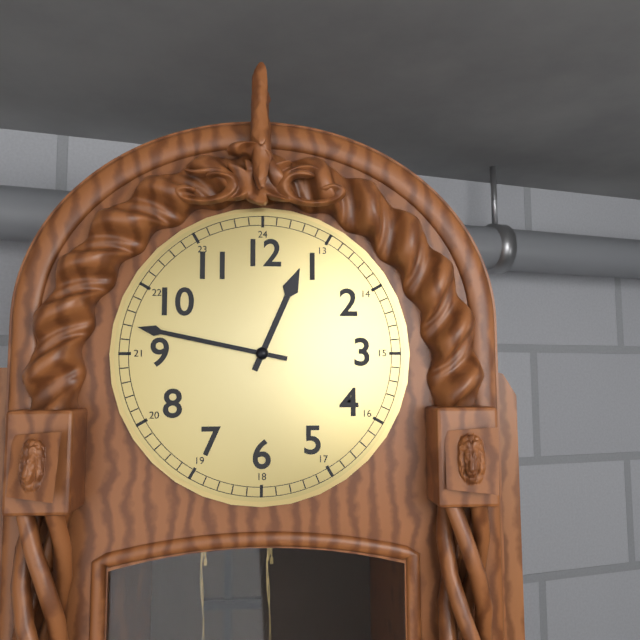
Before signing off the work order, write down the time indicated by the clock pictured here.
12:47
